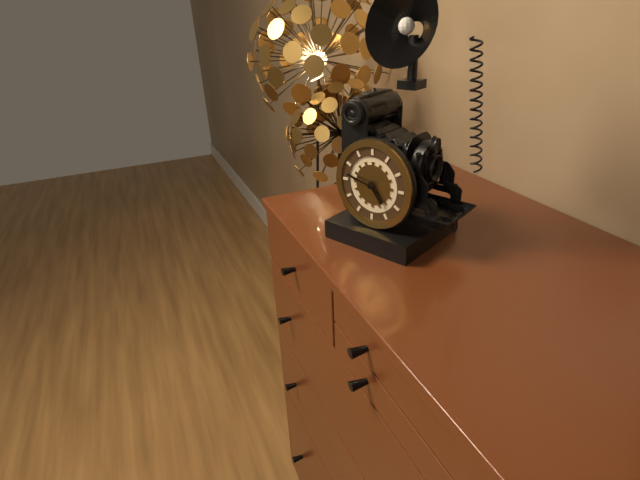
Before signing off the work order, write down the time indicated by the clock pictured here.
4:47
